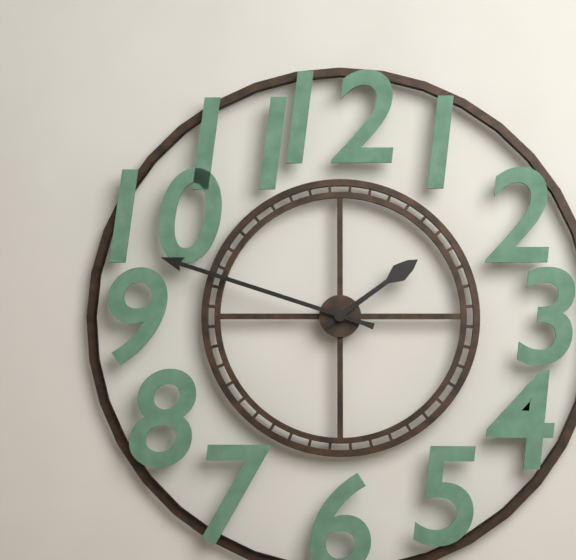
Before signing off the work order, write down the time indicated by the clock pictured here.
1:48
